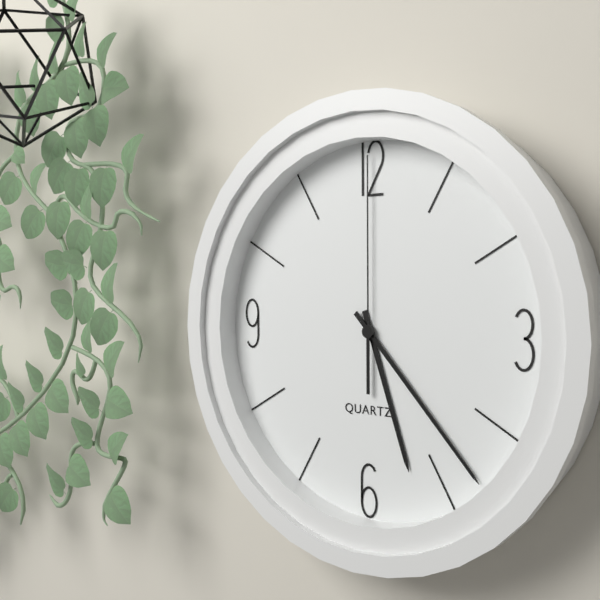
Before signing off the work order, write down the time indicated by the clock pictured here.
5:23:00
